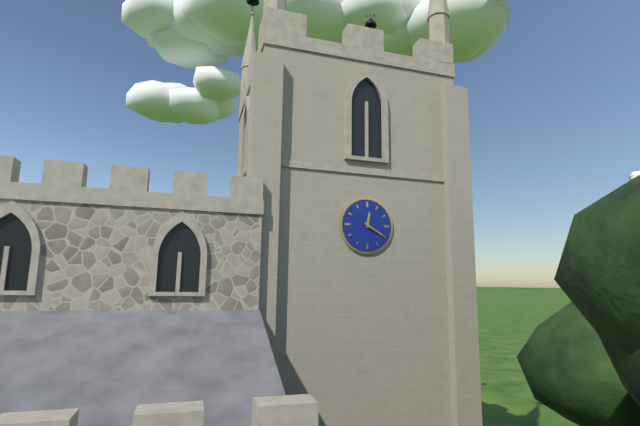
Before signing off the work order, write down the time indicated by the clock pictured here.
12:20
